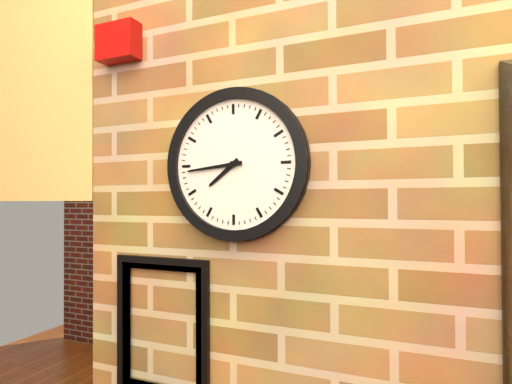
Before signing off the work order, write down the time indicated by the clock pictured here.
7:44
